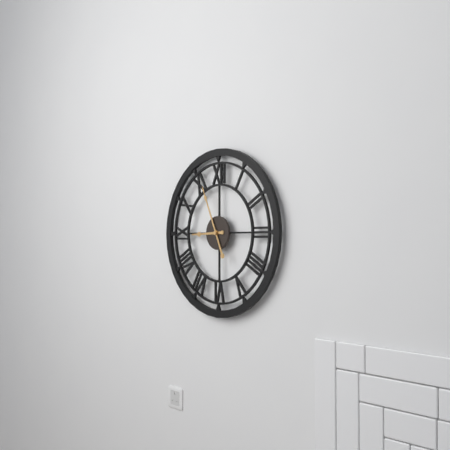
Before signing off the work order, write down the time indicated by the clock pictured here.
8:56
